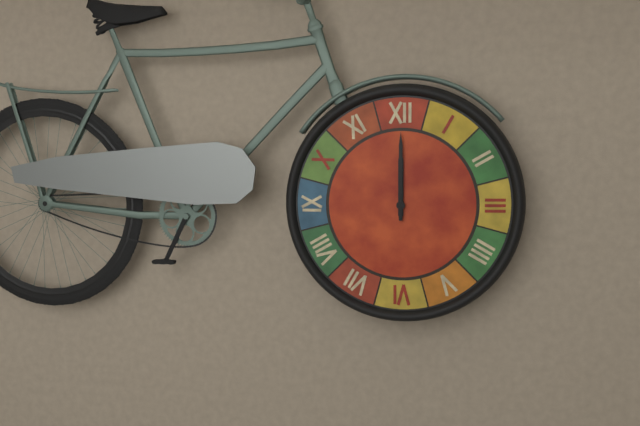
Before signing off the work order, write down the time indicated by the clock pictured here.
12:00
